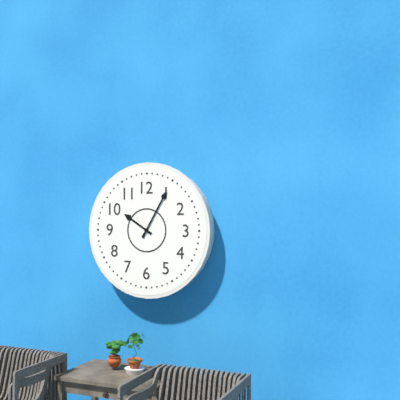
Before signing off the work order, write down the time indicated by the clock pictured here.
10:05
